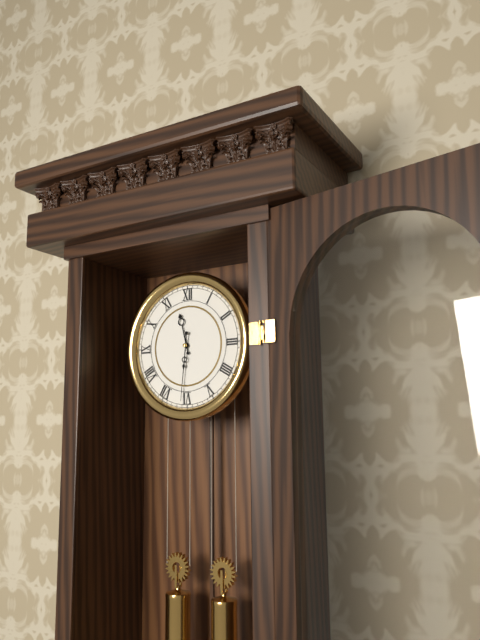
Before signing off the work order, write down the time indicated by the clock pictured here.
11:31
